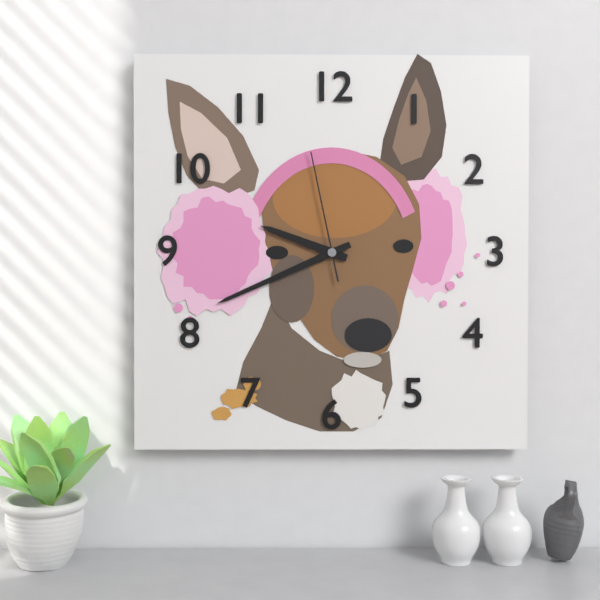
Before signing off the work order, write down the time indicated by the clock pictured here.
9:41:58
